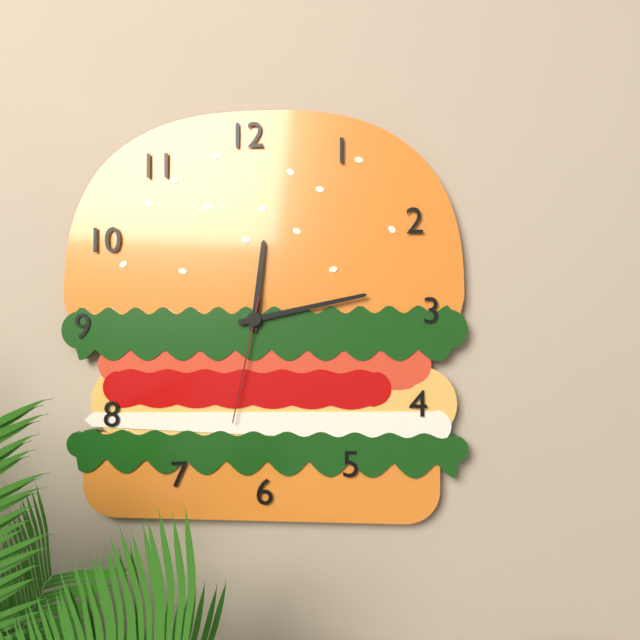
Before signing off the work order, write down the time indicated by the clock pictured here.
12:13:32
